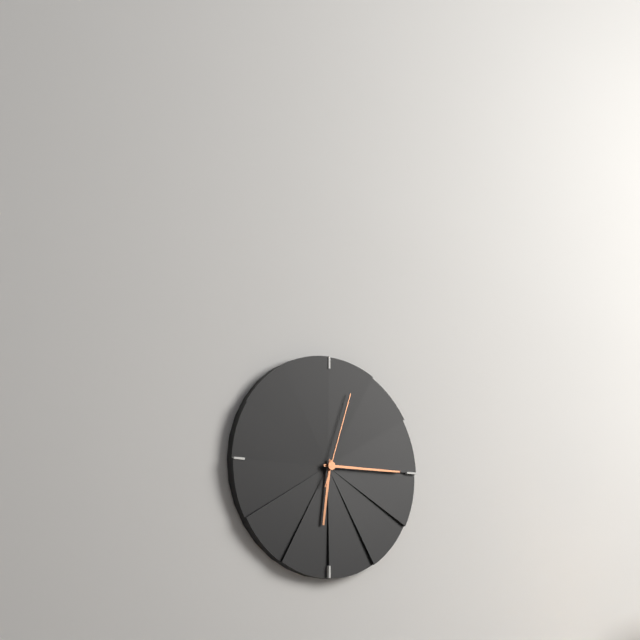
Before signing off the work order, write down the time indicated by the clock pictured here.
6:15:03
